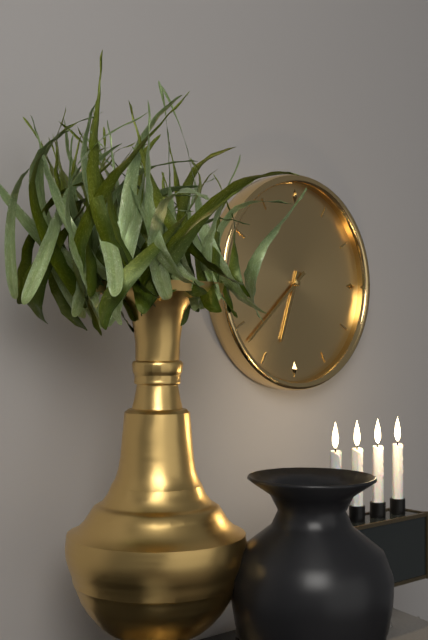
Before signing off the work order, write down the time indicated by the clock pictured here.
6:38
